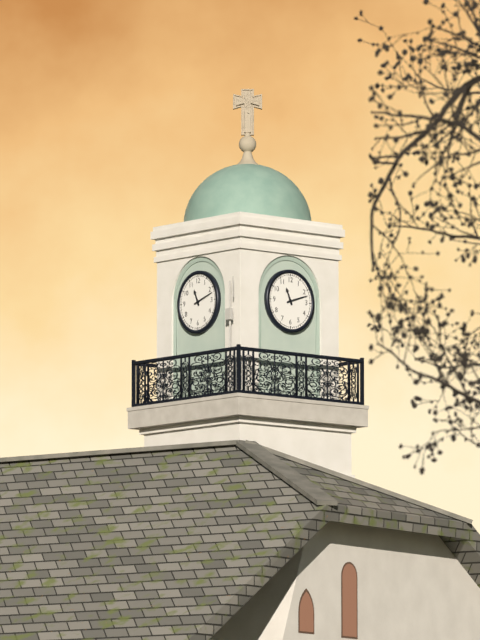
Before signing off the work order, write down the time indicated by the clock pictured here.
11:12
